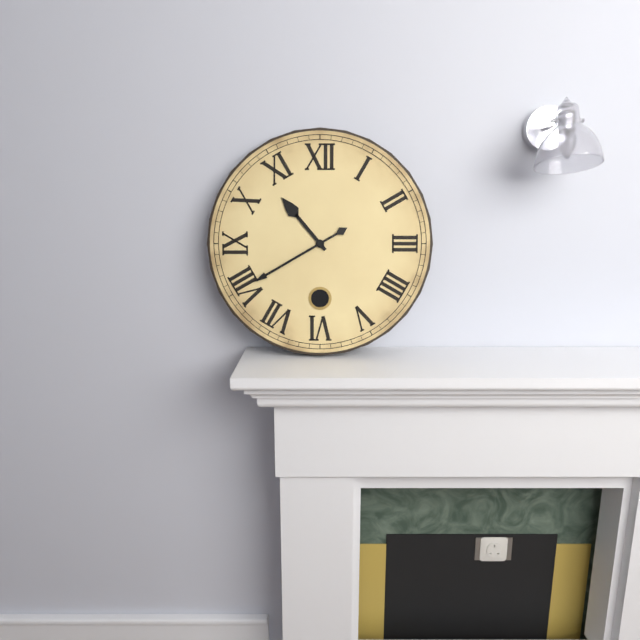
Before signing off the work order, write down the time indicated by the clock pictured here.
10:40
